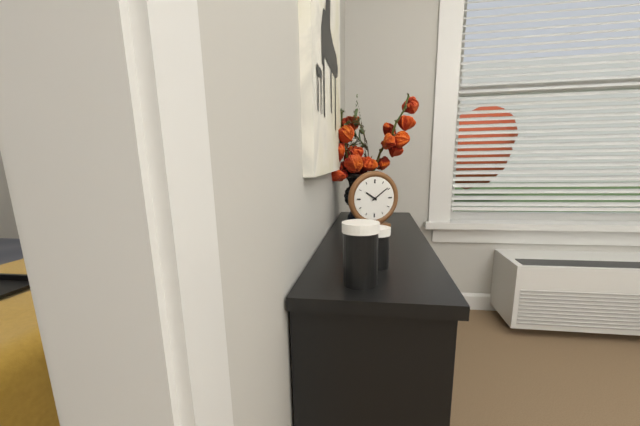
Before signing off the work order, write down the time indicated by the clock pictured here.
10:09
